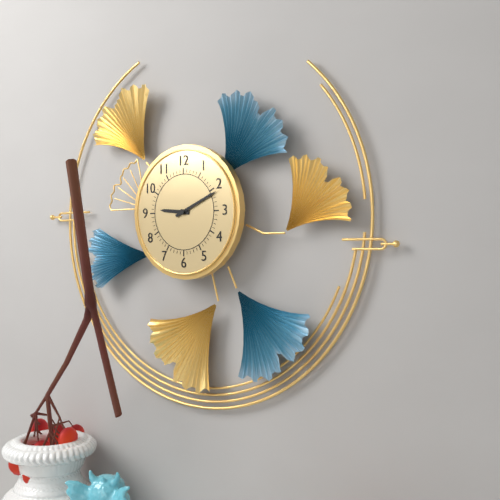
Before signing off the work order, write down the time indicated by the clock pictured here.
9:11
